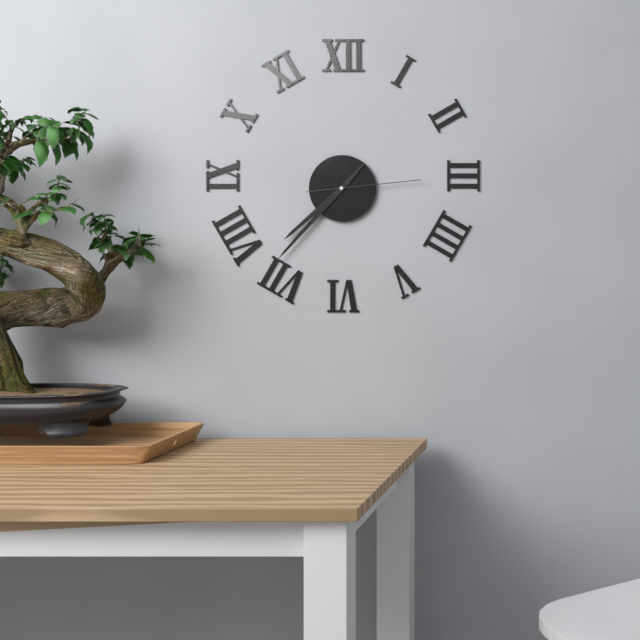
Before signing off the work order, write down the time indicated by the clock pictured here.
7:37:14
